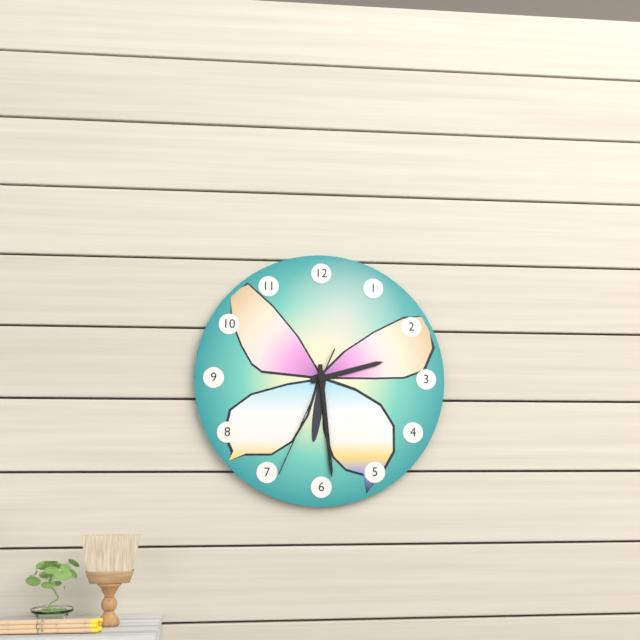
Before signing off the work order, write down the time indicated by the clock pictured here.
2:29:34
